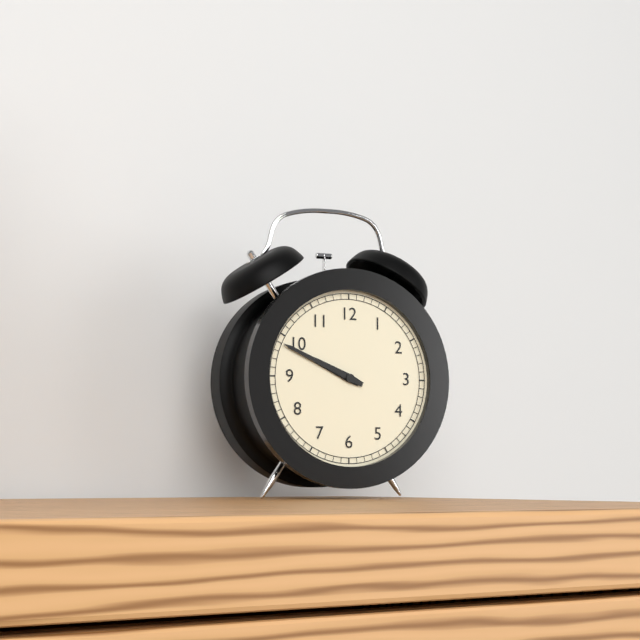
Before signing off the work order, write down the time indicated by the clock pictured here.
9:49
